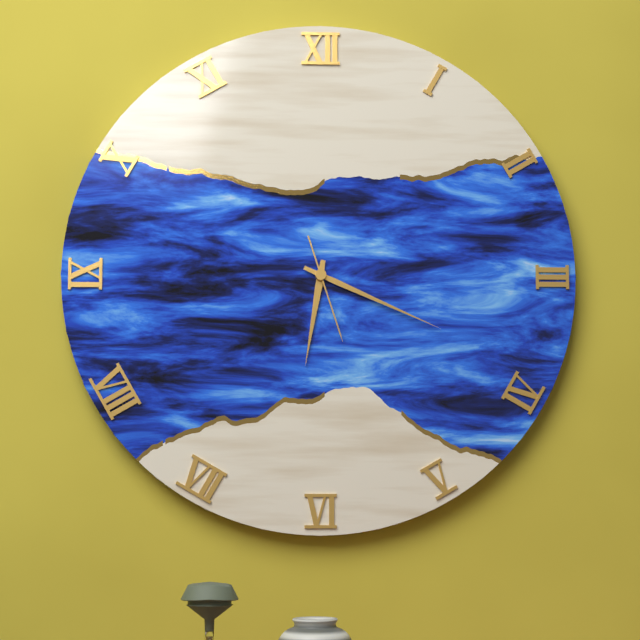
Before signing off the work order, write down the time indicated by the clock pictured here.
6:19:27
